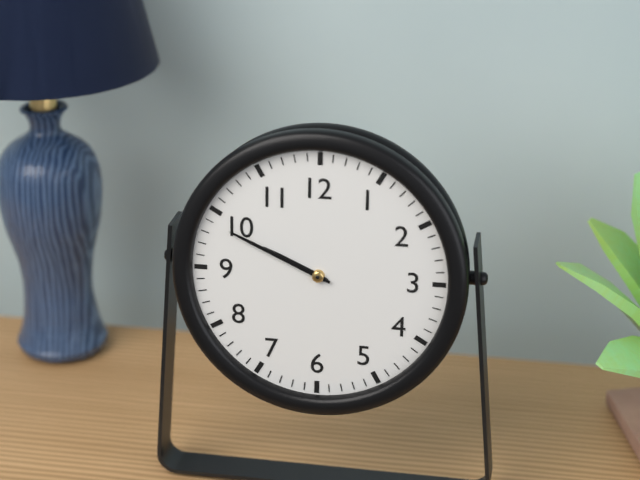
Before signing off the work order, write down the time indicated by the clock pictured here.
9:49
